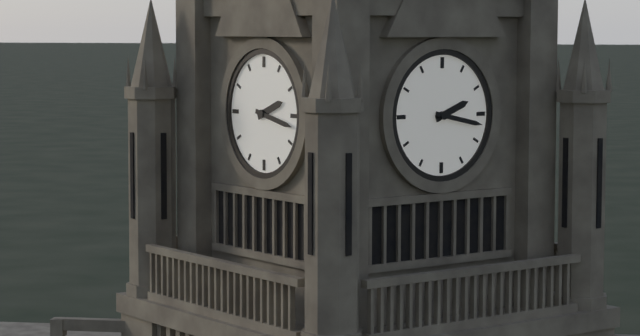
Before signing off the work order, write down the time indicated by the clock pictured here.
2:17
